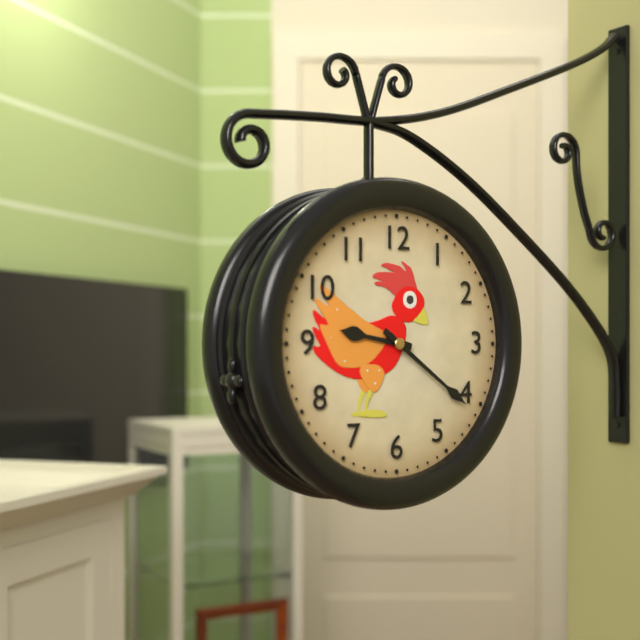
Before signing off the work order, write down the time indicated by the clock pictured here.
9:21
